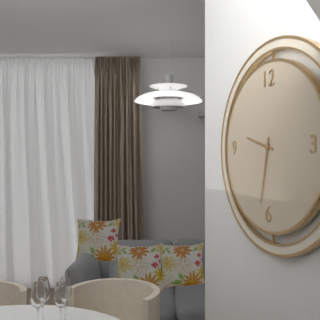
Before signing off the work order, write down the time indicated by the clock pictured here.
9:32
